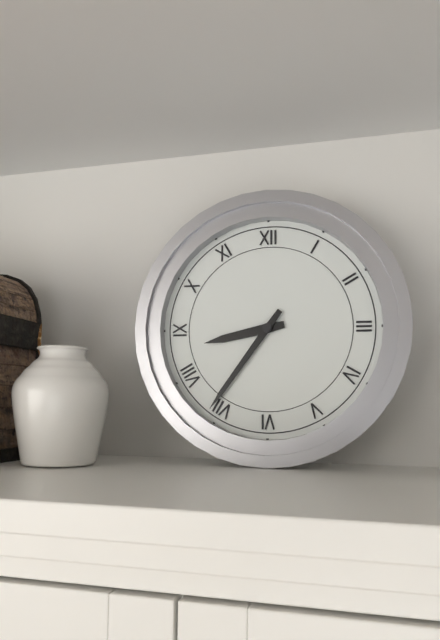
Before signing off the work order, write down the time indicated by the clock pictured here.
8:36
